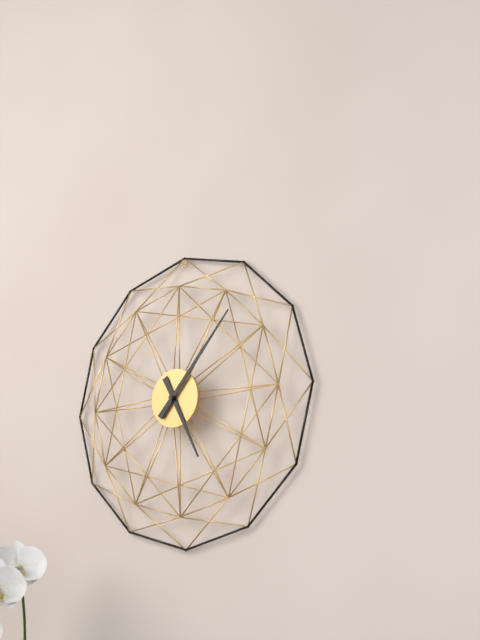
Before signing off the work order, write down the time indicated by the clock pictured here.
5:07
